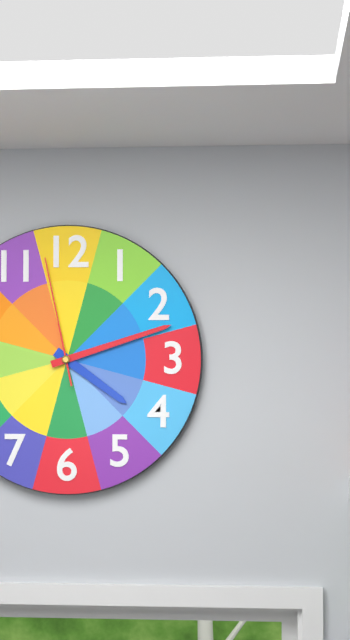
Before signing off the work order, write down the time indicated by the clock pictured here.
4:12:58
